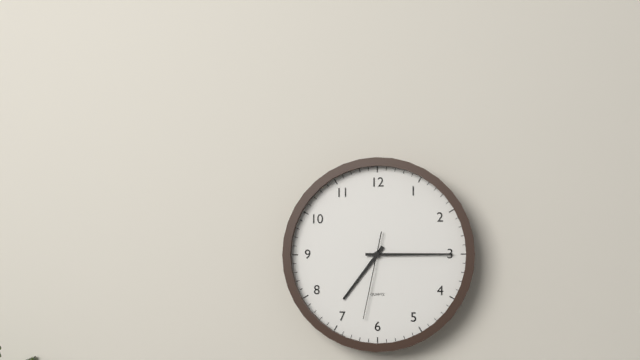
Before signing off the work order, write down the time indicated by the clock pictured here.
7:15:32
